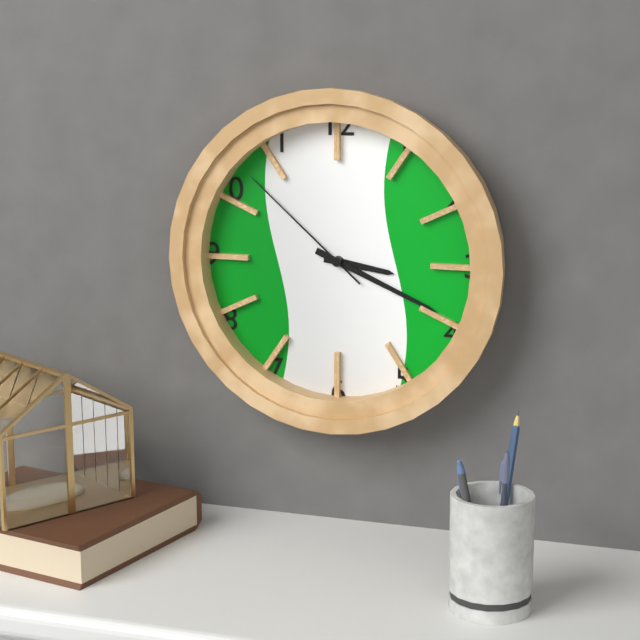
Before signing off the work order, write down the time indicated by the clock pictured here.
3:19:52
